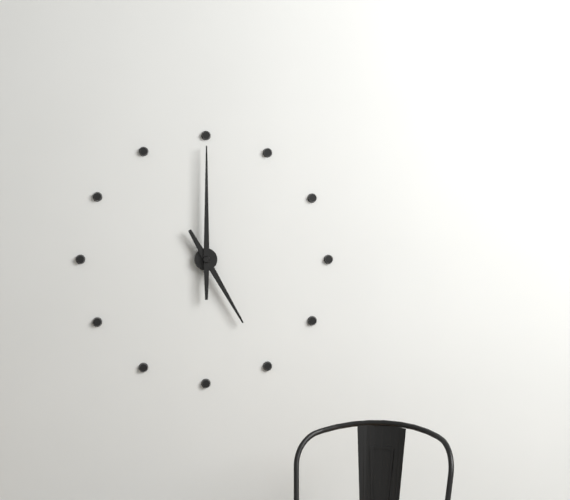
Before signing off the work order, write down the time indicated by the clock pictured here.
5:00
